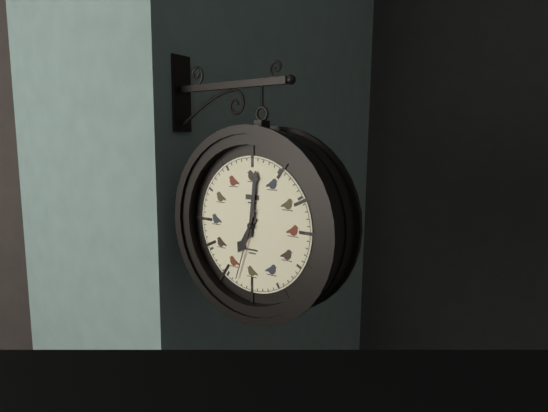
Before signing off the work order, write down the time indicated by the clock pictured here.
7:01:33
